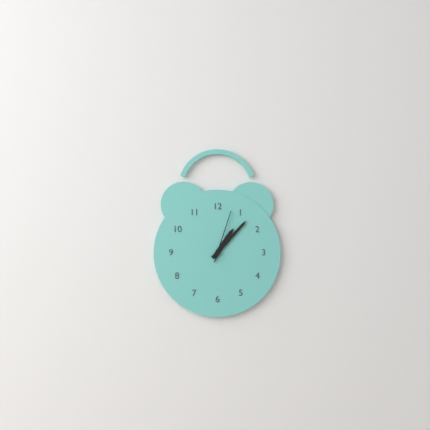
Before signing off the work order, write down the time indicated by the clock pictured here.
1:07:03
